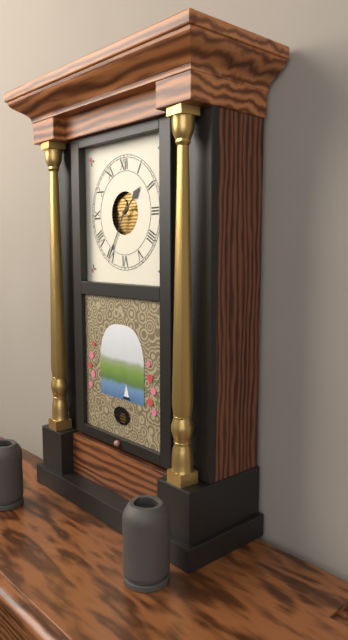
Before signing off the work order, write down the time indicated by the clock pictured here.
1:35
